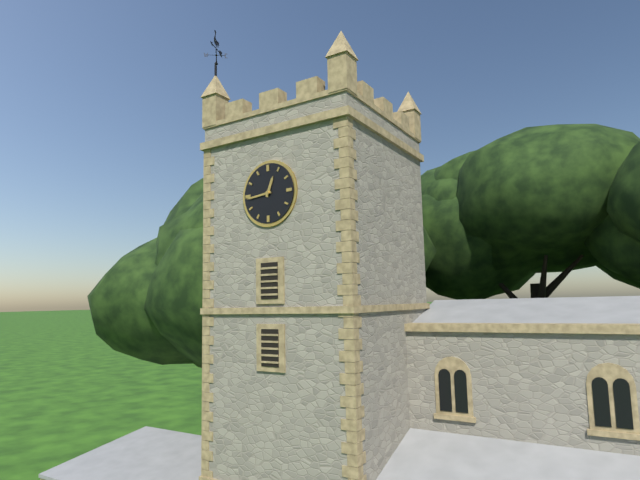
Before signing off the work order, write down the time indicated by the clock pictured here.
12:44
